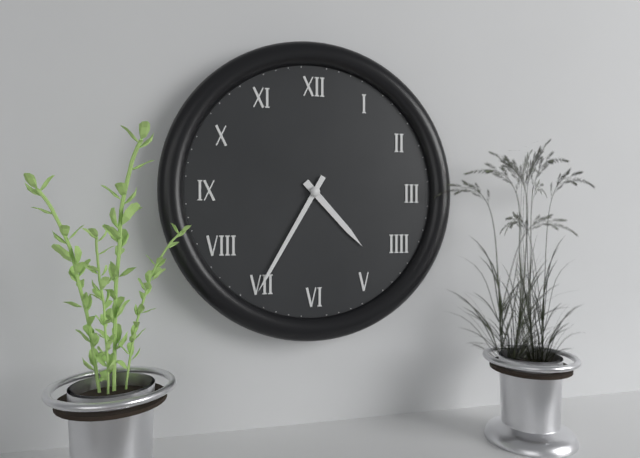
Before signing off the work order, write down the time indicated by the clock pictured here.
4:35
